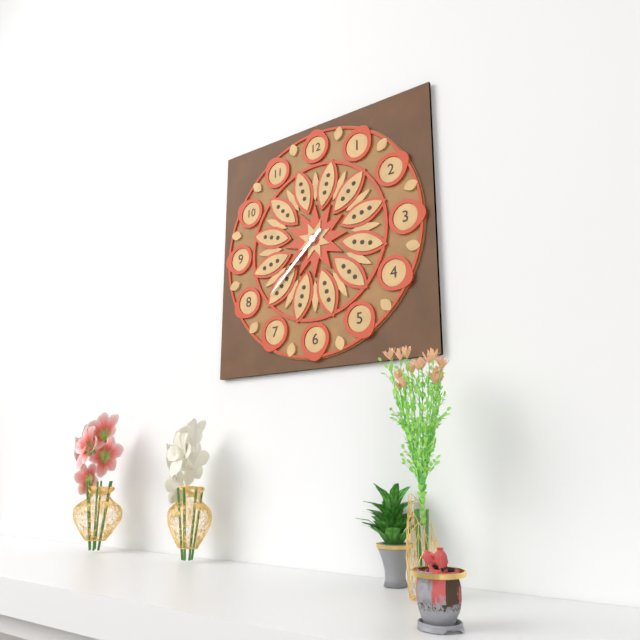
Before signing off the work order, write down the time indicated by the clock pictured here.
7:38
